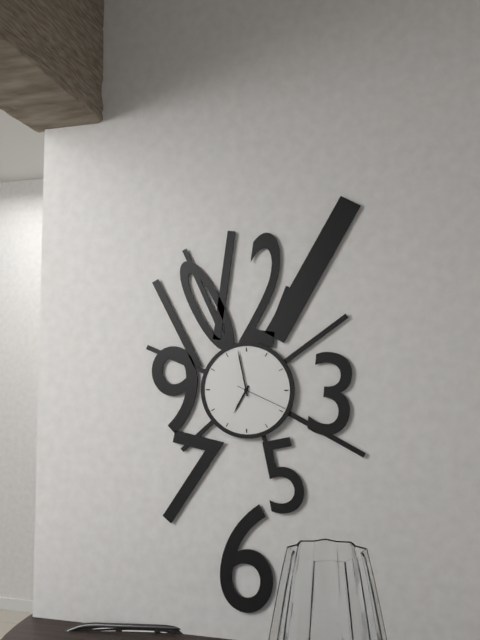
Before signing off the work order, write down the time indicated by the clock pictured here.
6:58:19
